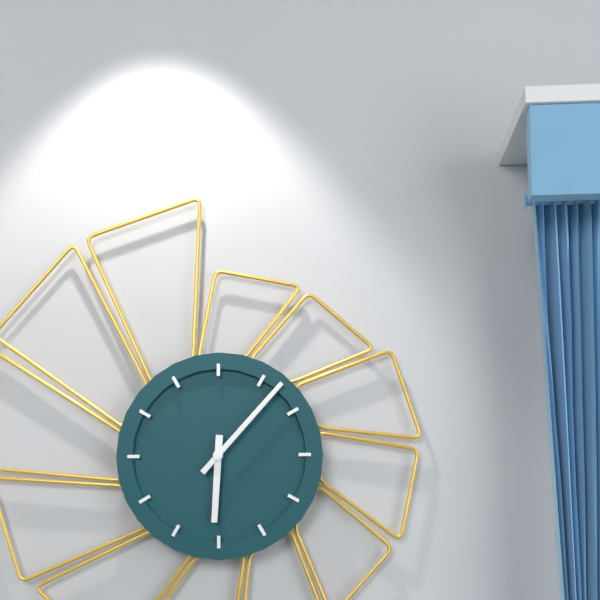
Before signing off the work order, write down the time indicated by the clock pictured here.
6:07
